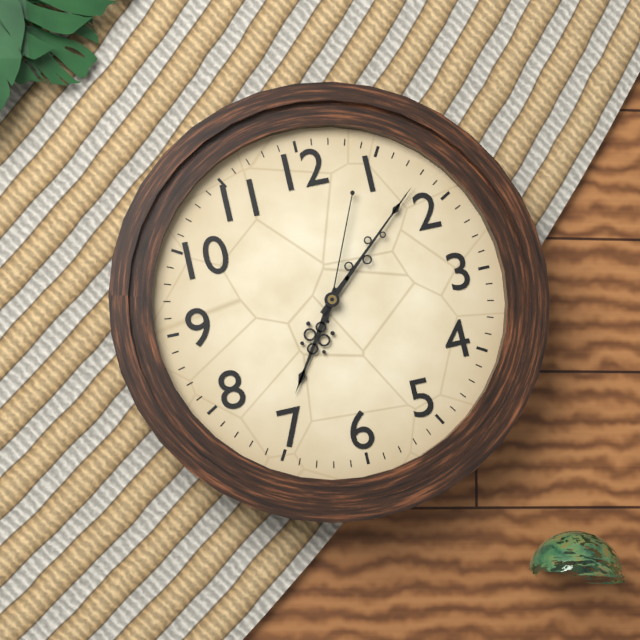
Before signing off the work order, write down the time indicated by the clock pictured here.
7:08:04
